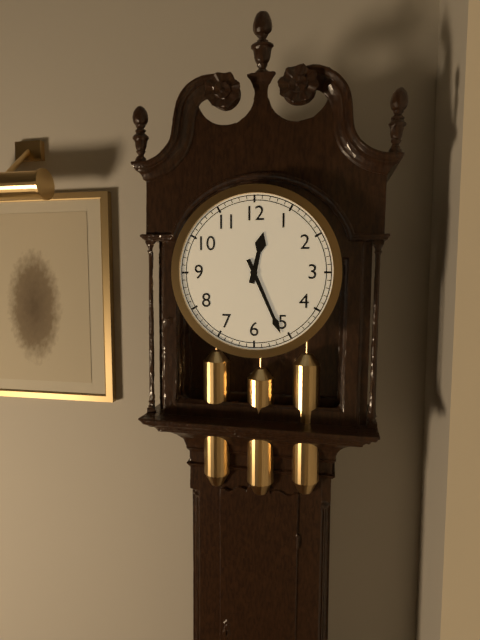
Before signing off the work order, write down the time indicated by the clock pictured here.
12:26
